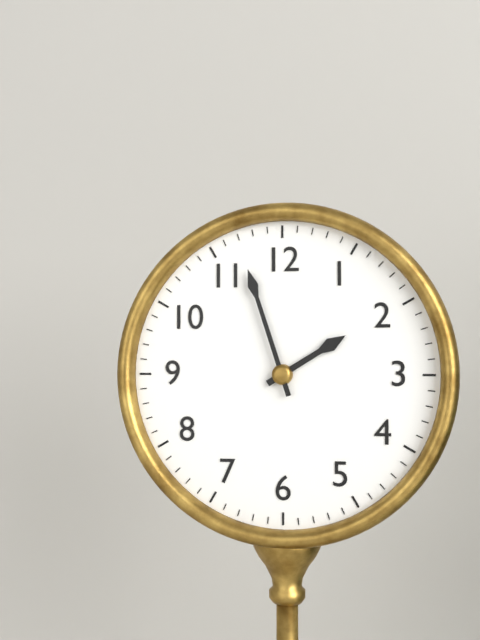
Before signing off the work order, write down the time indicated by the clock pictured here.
1:57
